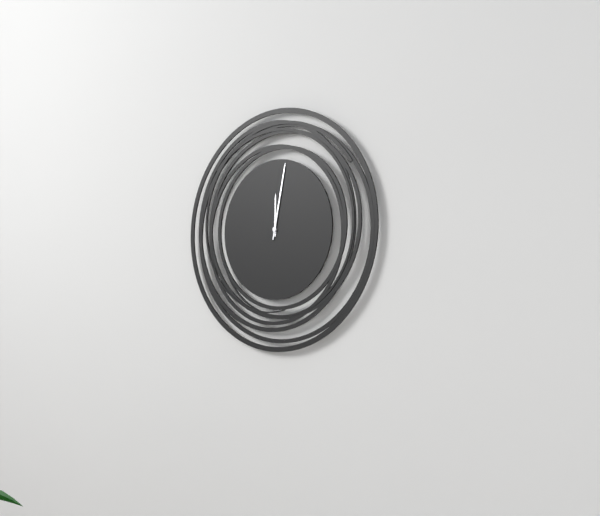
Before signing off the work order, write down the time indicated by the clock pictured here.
12:02
